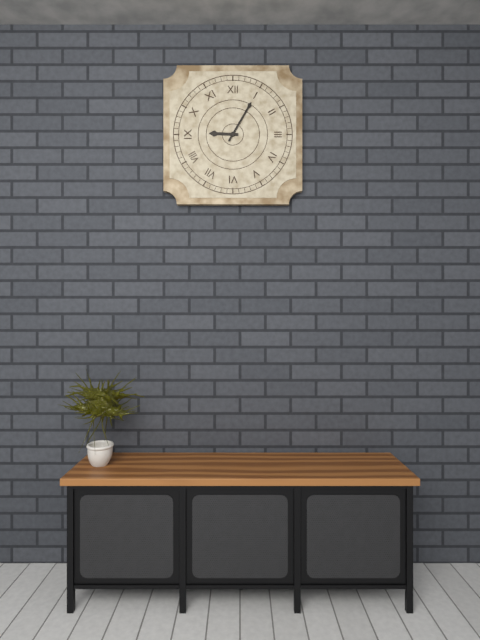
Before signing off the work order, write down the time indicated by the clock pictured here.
9:05
